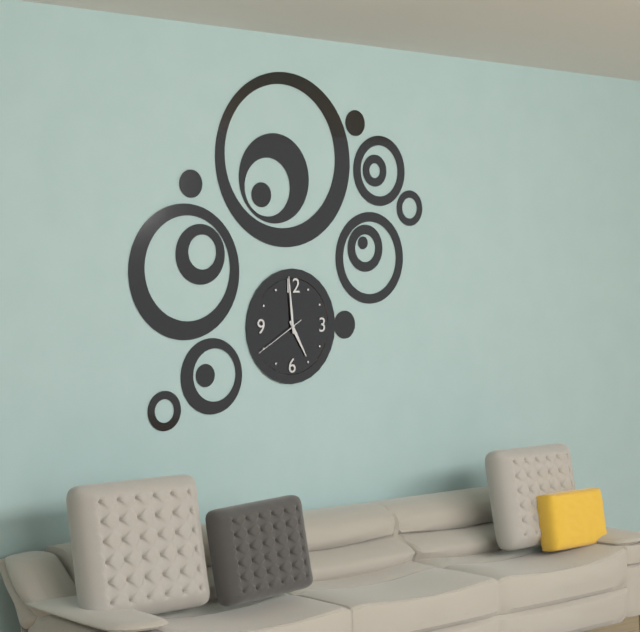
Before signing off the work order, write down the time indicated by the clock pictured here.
4:59:40
